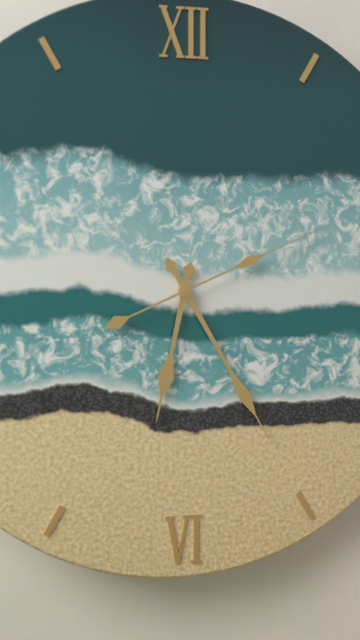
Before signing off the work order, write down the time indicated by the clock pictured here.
6:25:11
